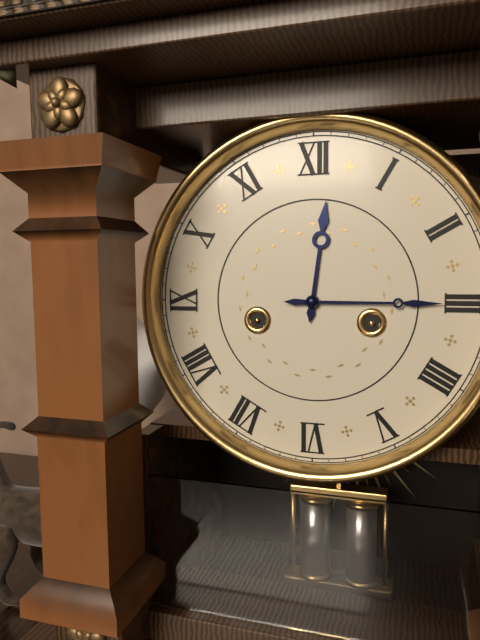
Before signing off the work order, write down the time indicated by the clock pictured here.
12:15
